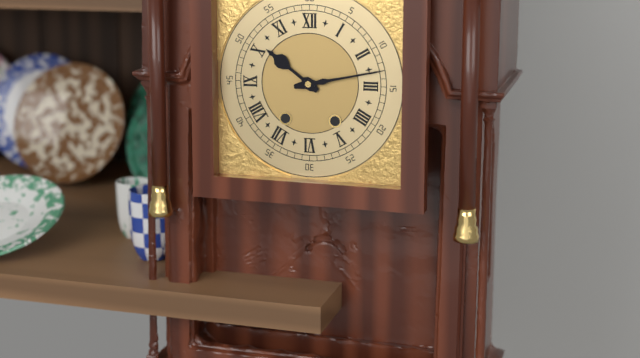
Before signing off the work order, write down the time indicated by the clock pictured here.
10:13
